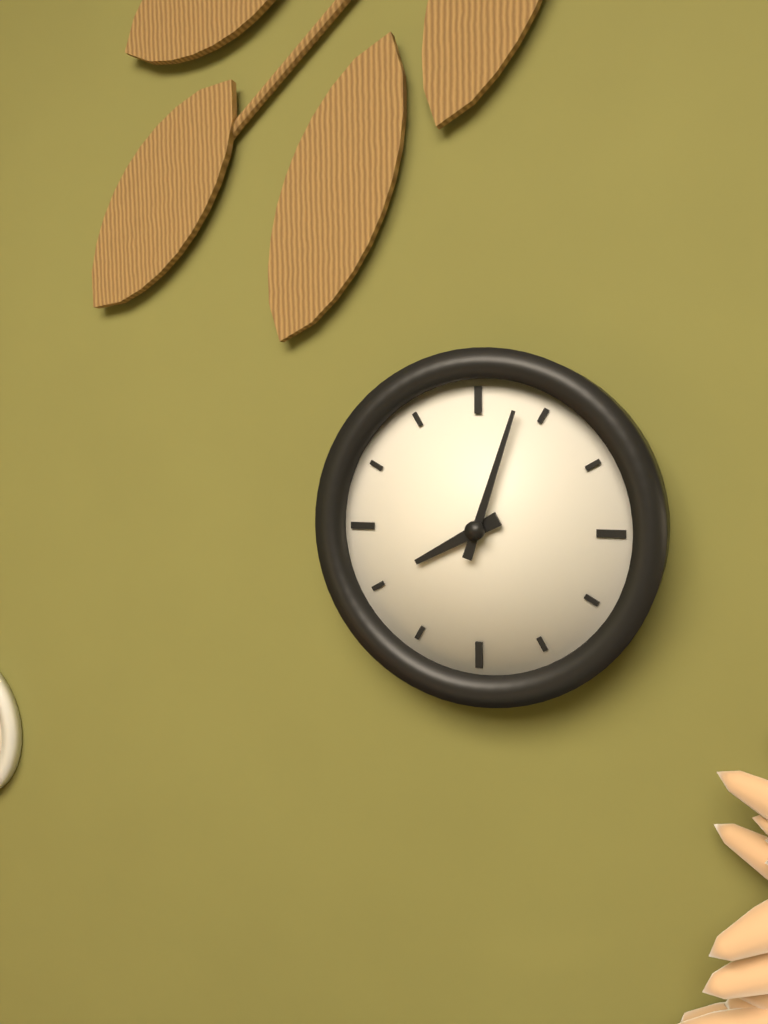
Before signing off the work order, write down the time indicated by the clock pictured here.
8:03
